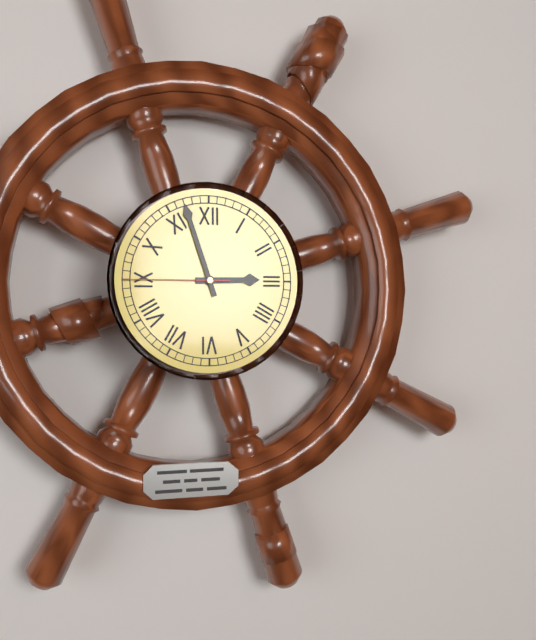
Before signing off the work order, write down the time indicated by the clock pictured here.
2:57:45
